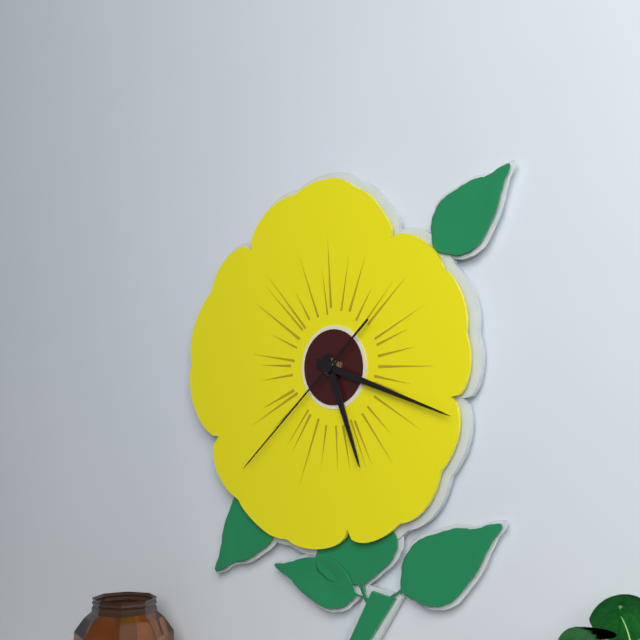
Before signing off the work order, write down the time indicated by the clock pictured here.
5:18:38
